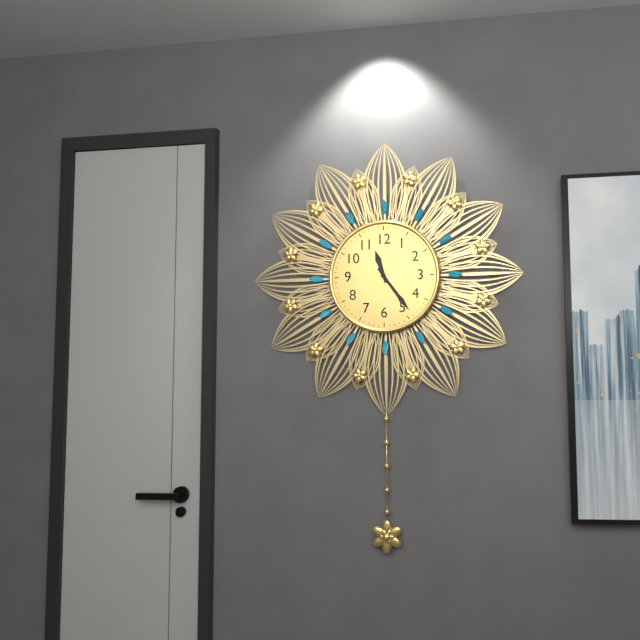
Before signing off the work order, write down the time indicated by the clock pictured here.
11:24
